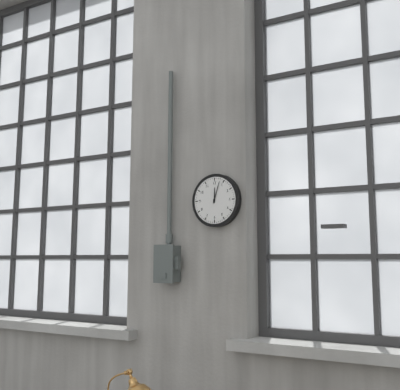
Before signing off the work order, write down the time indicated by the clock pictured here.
12:03
